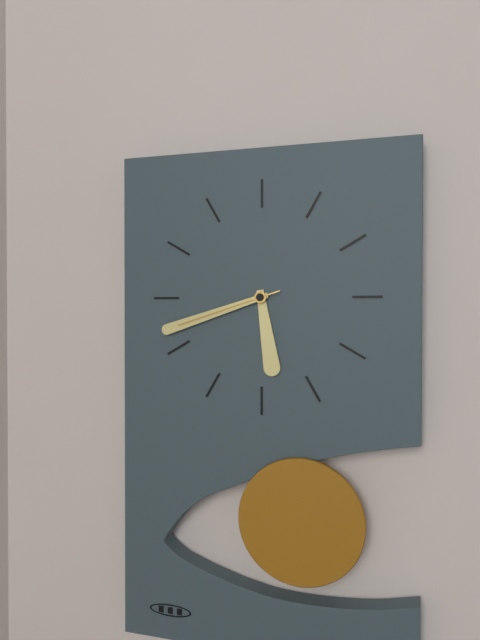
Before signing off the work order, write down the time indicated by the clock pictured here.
5:42:42
